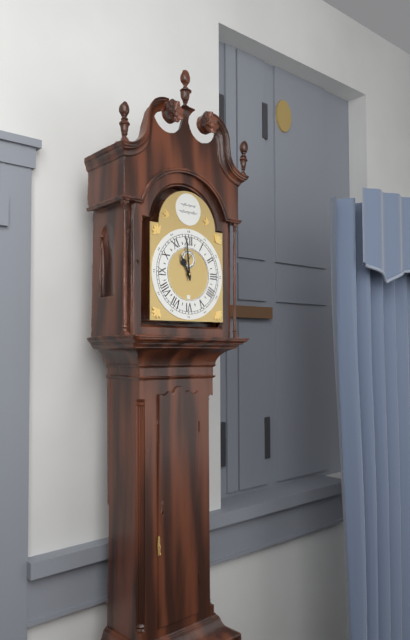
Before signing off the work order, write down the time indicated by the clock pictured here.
10:59
